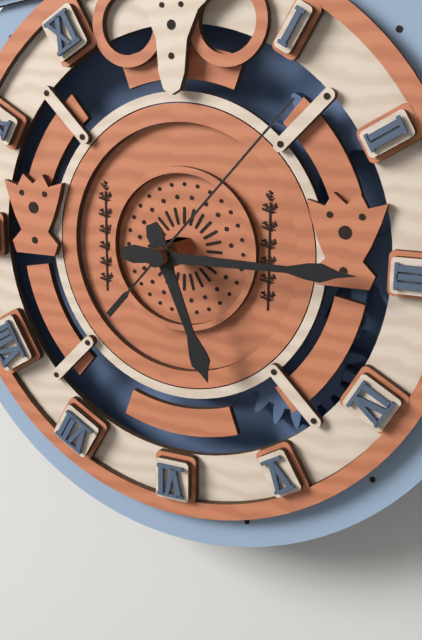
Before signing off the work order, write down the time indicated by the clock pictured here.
5:15:07
